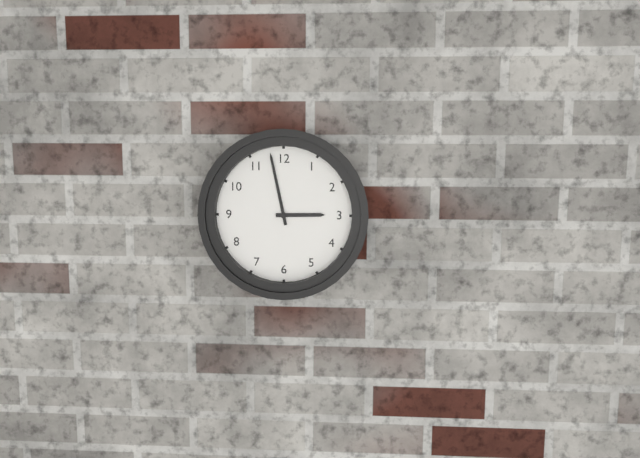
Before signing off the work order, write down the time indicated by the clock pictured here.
2:58
